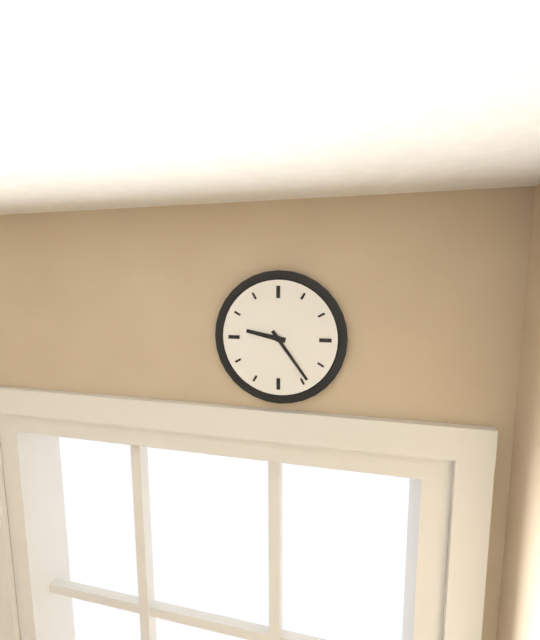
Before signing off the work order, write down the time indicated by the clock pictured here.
9:24
